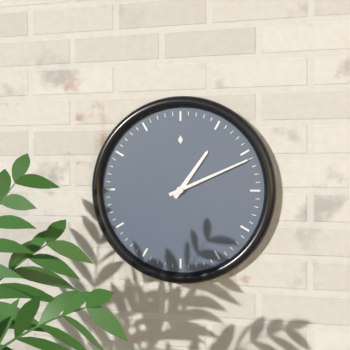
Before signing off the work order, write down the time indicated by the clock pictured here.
1:11
